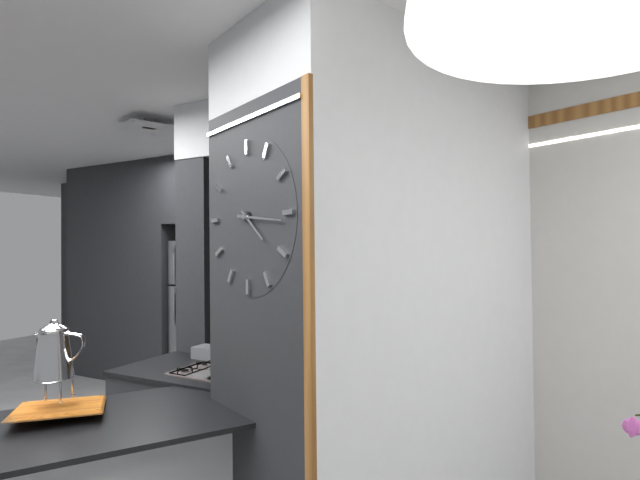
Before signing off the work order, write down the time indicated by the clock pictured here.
4:16
